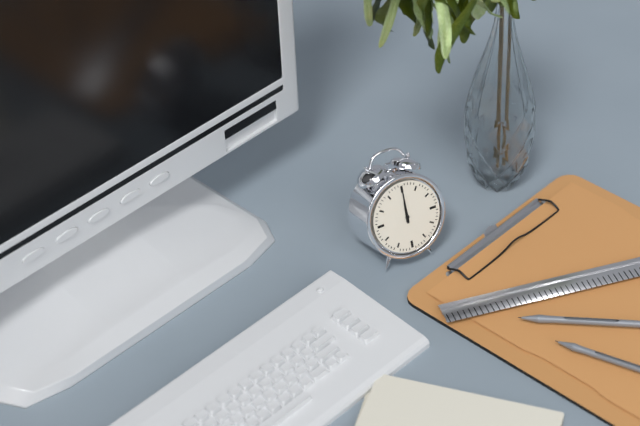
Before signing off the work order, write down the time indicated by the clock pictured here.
12:00
